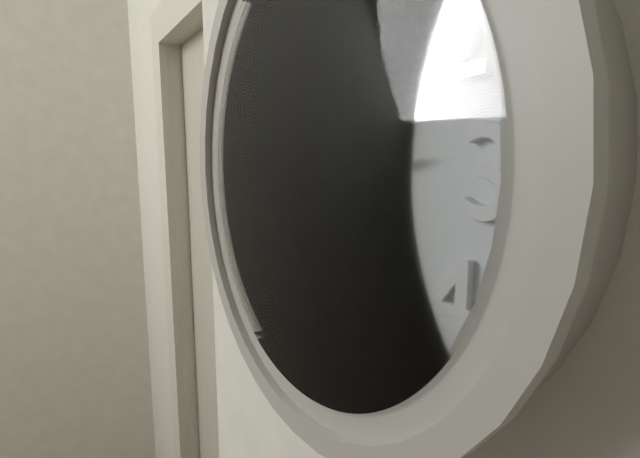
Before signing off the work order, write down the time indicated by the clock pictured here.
2:47:11
